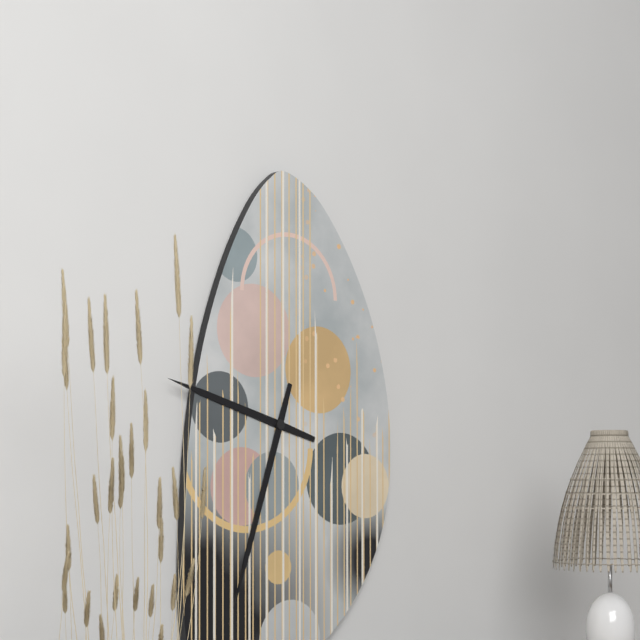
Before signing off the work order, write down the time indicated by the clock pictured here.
9:33
